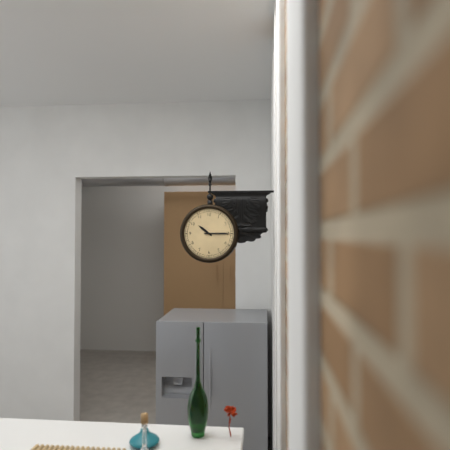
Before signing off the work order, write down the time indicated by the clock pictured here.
10:15
